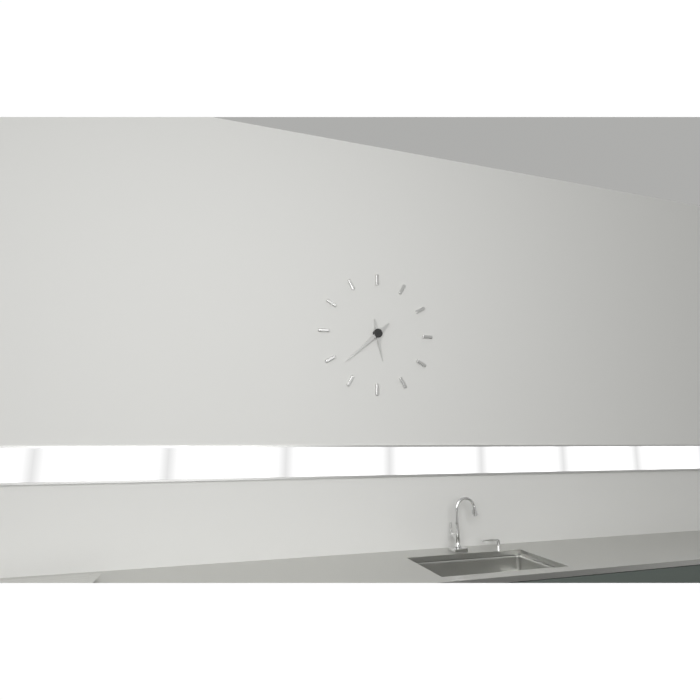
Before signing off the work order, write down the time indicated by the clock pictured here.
5:38
